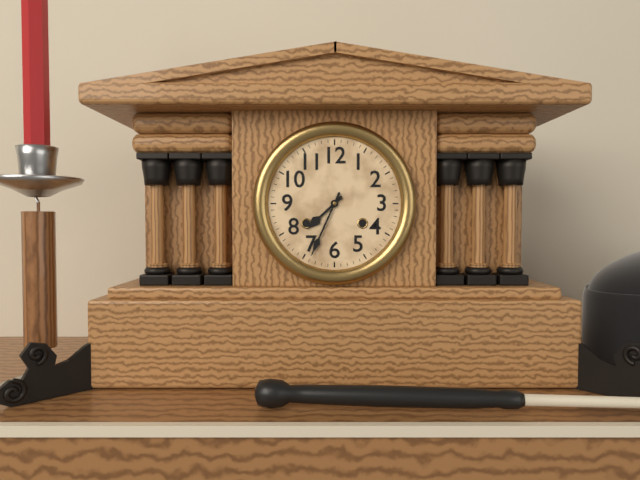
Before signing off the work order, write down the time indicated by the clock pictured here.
7:34
